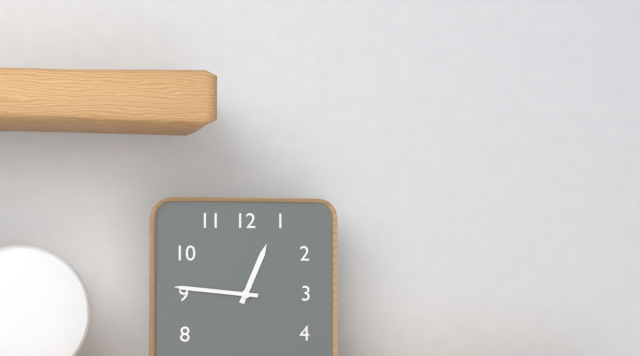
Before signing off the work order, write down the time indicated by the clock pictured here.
12:46
